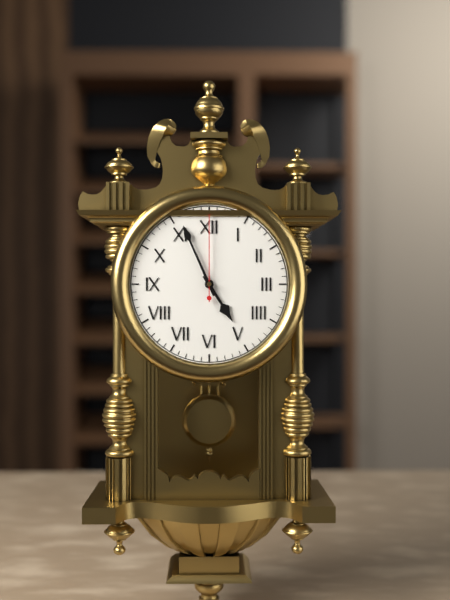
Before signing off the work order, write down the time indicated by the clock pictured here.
4:56:00
